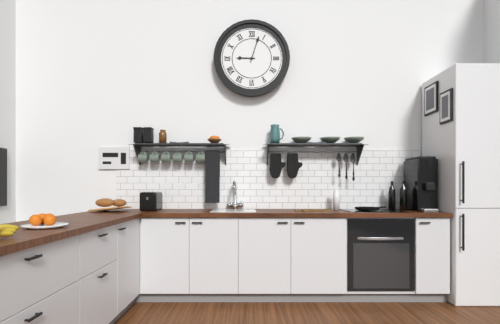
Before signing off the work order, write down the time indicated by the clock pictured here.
9:03
